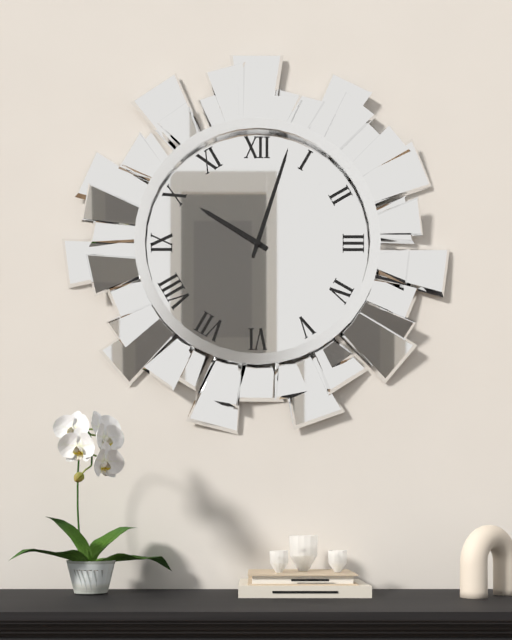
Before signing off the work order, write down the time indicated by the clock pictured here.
10:03
